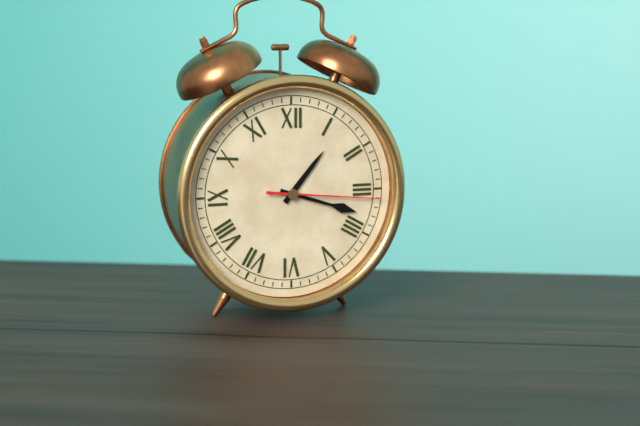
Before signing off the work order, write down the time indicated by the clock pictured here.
1:18:16
